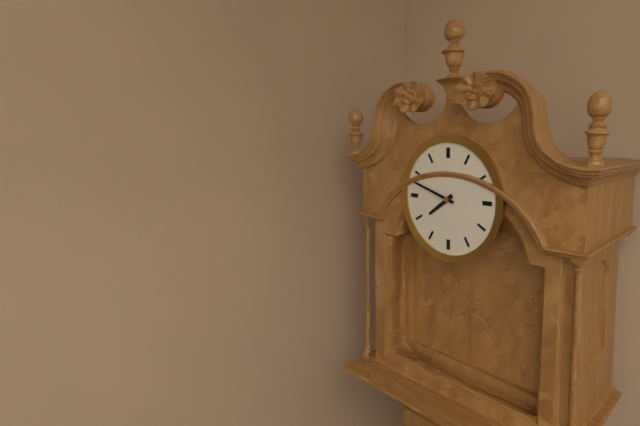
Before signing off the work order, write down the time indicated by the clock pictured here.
7:48
